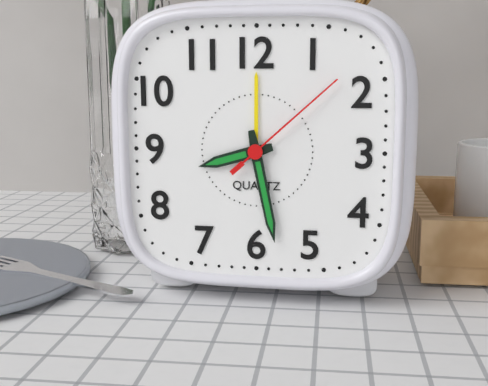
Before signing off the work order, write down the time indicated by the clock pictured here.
8:28:08
